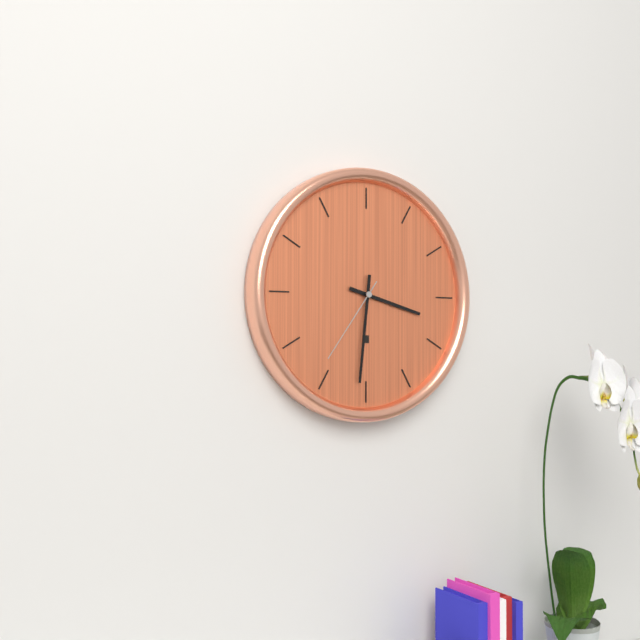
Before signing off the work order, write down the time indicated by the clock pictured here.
3:31:36
